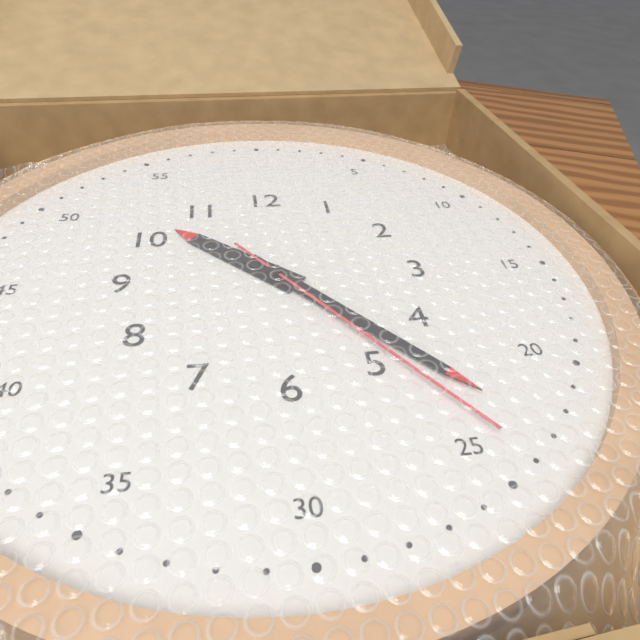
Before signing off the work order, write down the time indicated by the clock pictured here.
10:23:24
